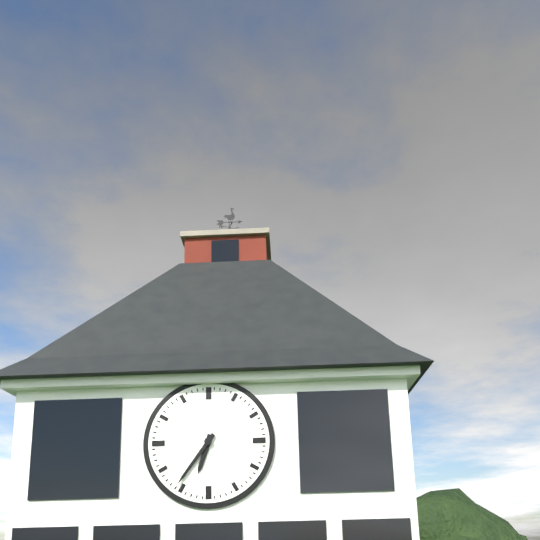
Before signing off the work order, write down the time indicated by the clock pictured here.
6:36
